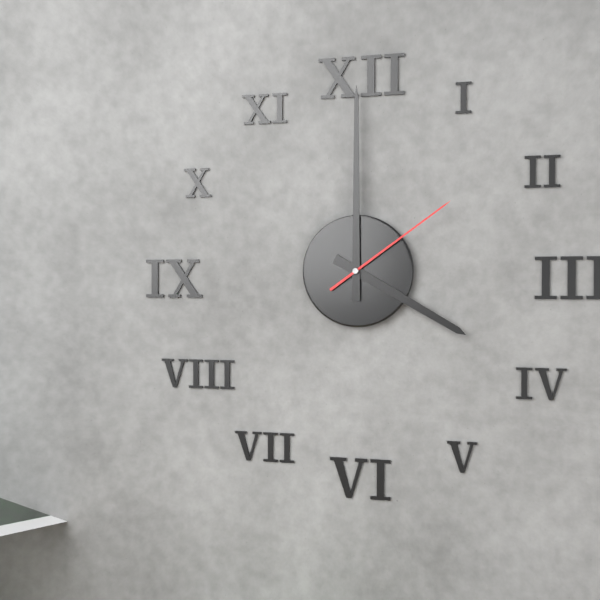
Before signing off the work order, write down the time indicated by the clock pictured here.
4:00:09
